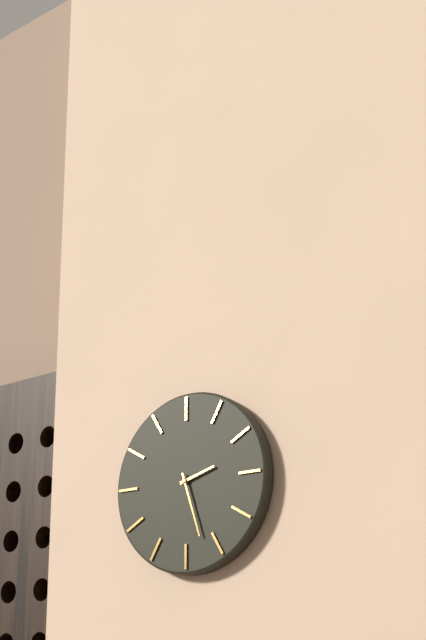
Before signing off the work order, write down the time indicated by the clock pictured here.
2:27
